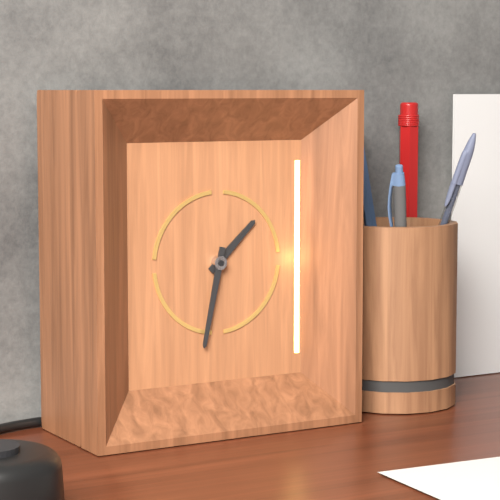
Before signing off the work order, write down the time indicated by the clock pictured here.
1:32
